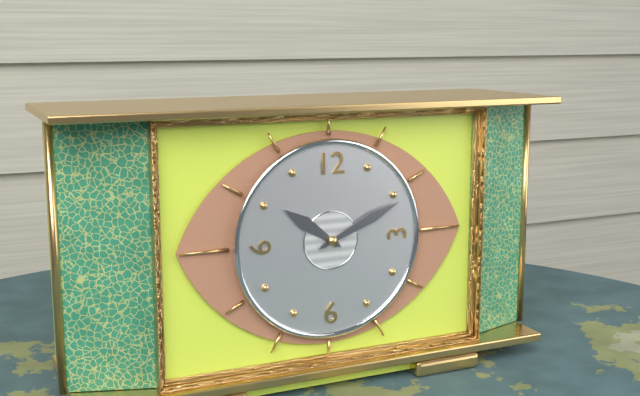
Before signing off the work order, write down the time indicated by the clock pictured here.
10:11
